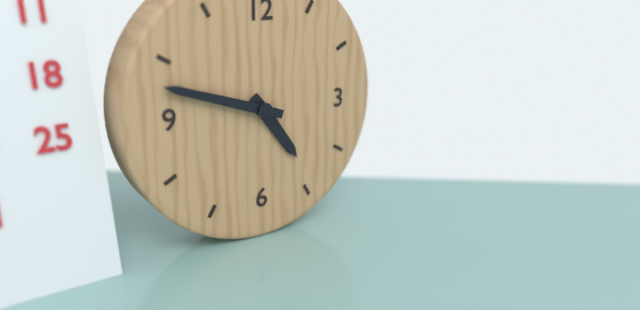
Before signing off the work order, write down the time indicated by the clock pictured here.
4:48
